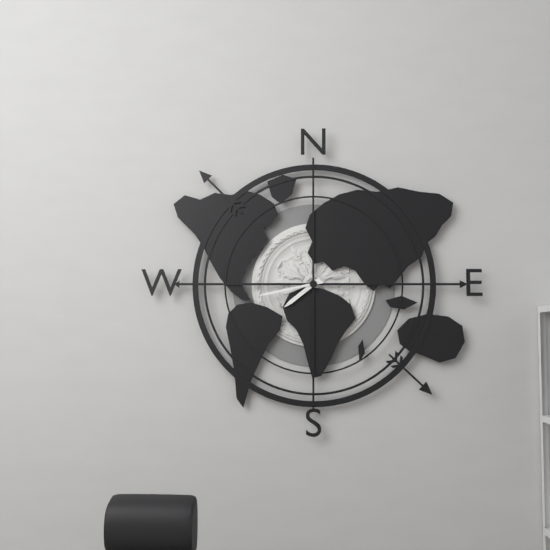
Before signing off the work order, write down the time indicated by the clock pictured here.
7:43
